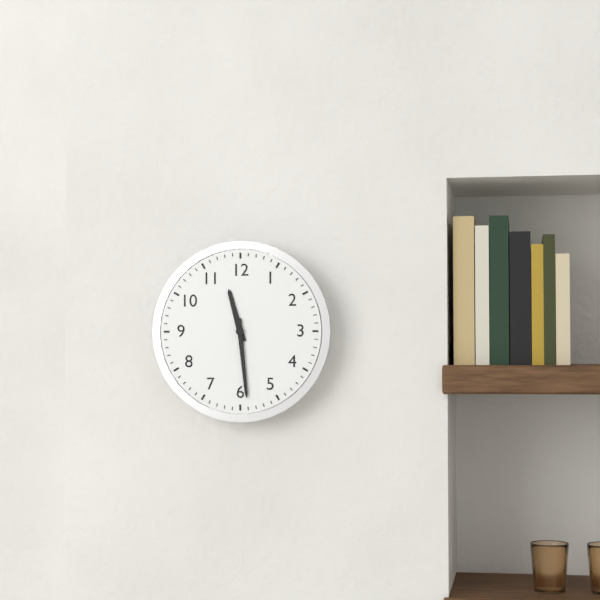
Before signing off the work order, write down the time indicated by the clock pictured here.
11:29
